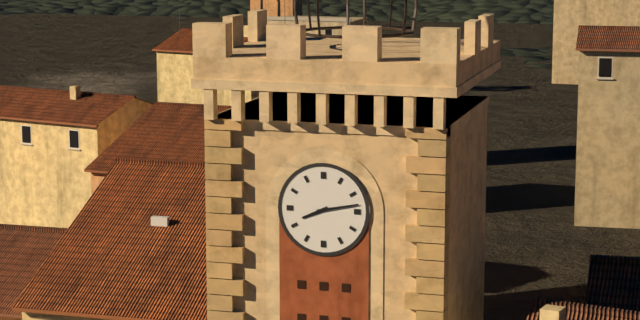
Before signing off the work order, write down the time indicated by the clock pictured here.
8:13
